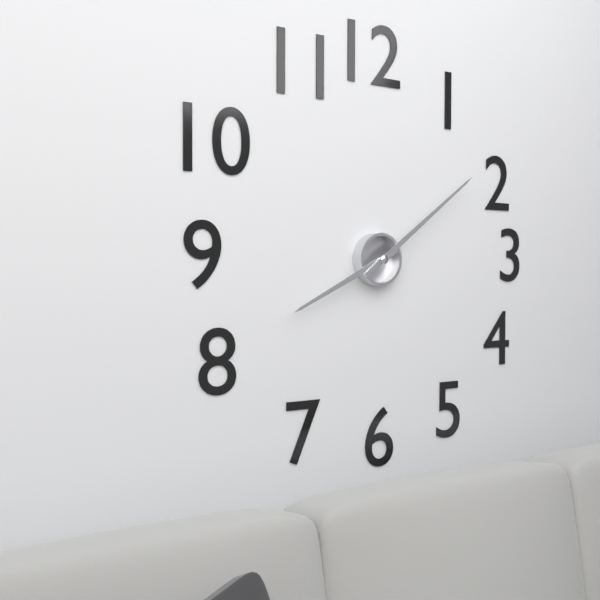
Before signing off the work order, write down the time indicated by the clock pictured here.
8:09
